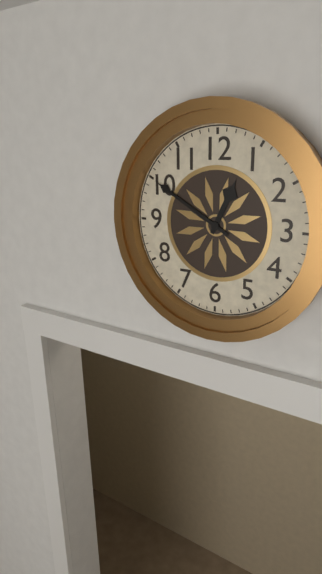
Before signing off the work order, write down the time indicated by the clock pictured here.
12:50
